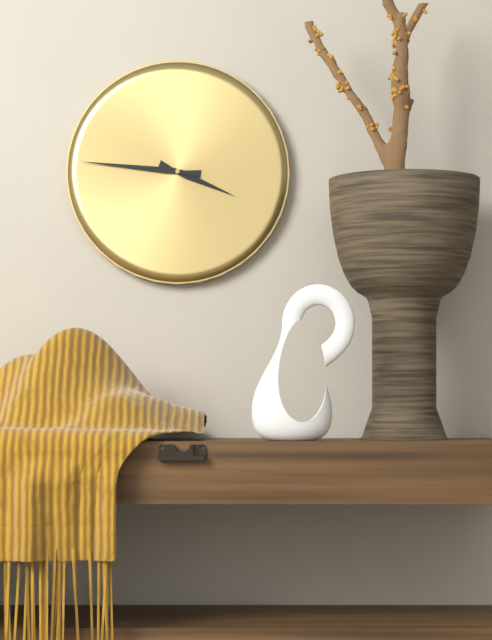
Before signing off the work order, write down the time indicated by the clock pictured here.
3:46
